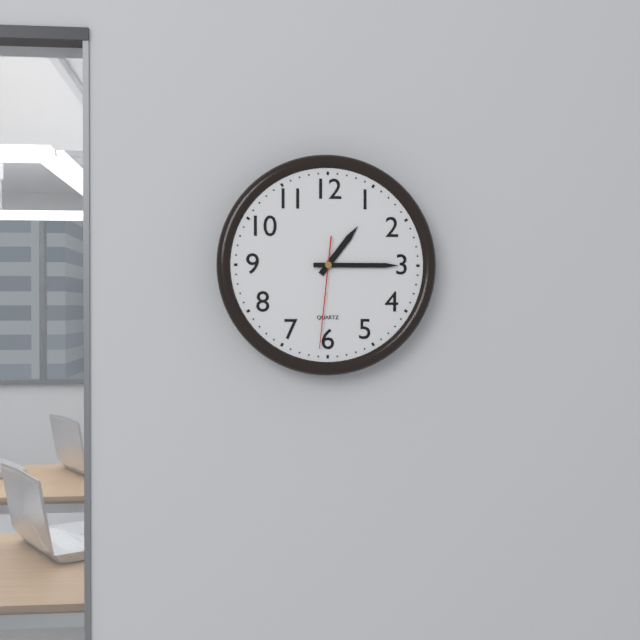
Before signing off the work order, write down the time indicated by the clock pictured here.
1:15:31
